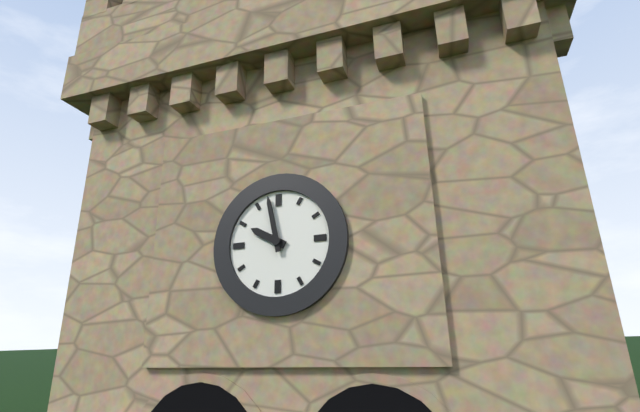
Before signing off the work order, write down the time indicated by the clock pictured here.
9:58
